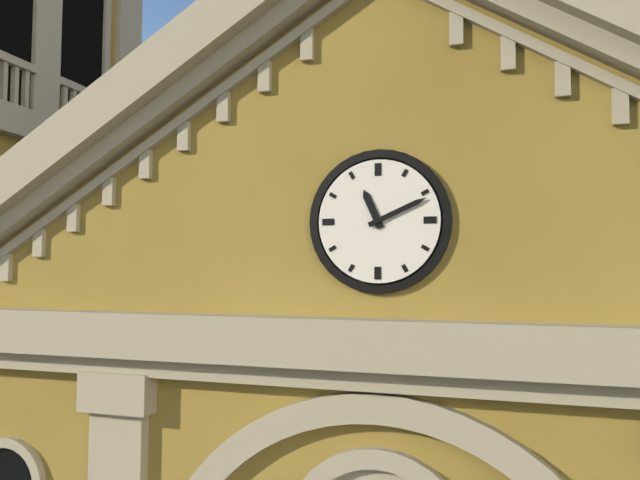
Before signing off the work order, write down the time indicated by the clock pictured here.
11:11
